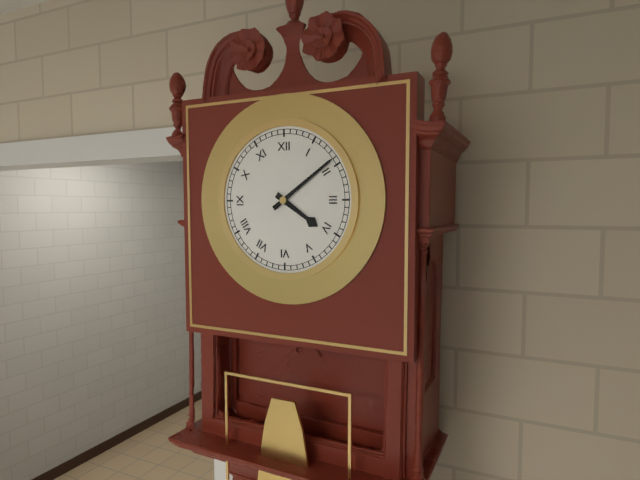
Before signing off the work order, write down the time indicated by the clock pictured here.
4:09
